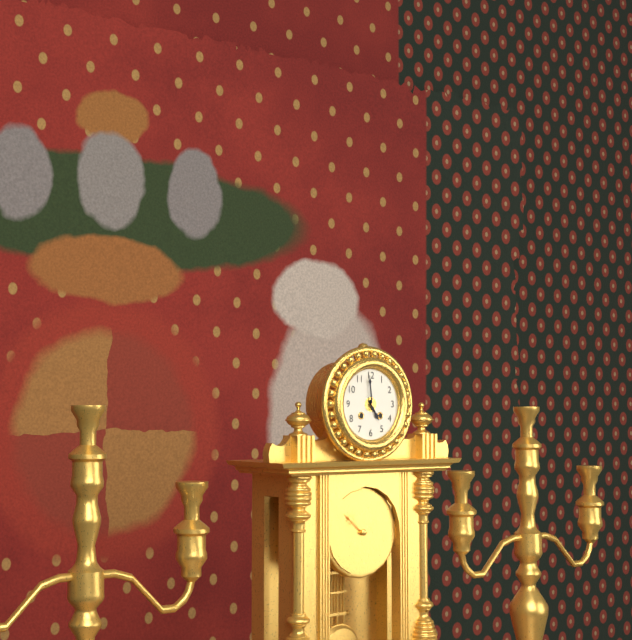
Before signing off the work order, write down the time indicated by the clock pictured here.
4:59
